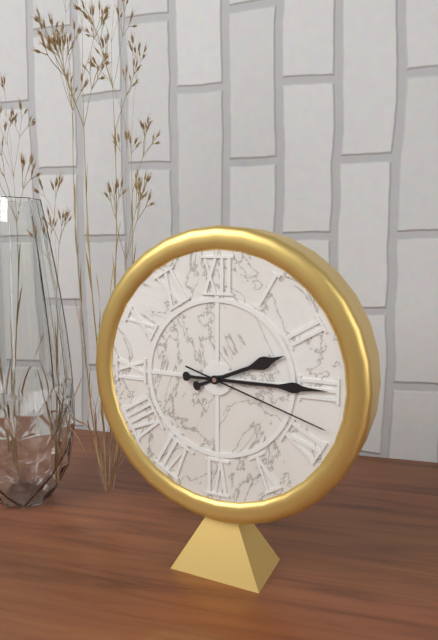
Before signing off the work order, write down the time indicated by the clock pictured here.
2:15:18
